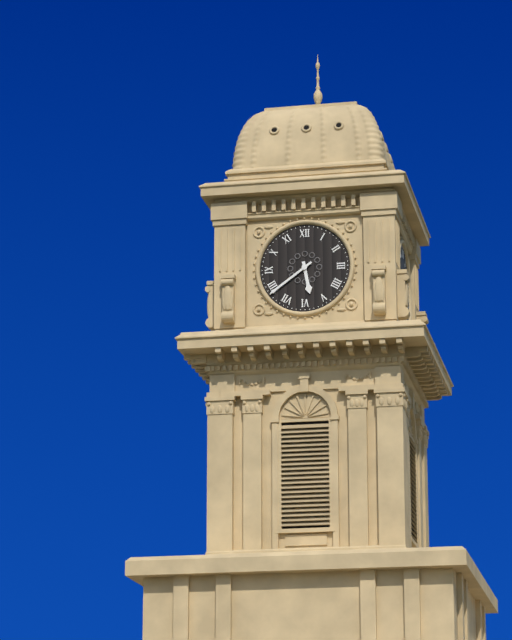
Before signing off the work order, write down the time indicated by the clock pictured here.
5:39
